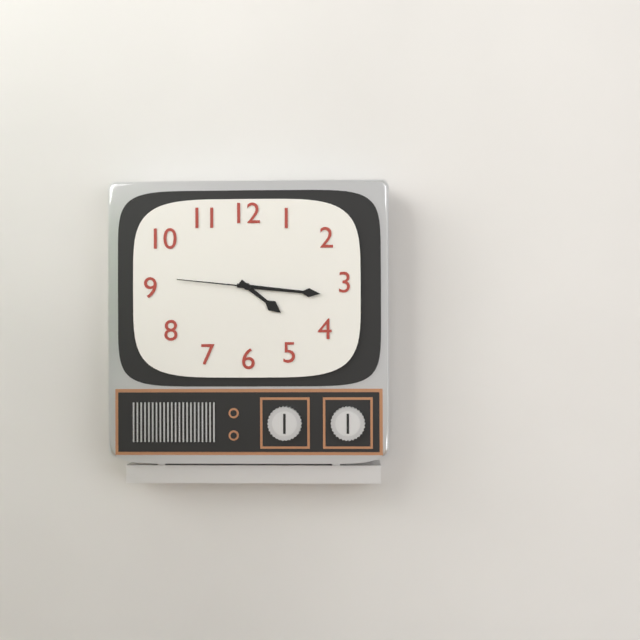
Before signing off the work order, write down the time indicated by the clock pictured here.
4:16:46
